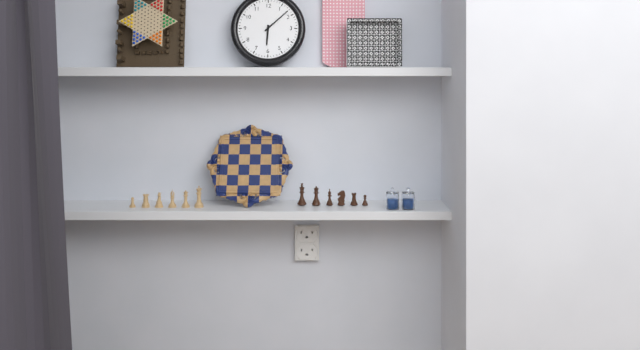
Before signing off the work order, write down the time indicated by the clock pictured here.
6:08
